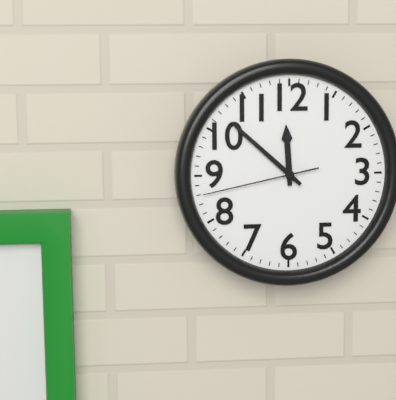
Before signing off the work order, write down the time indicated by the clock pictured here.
11:52:43
